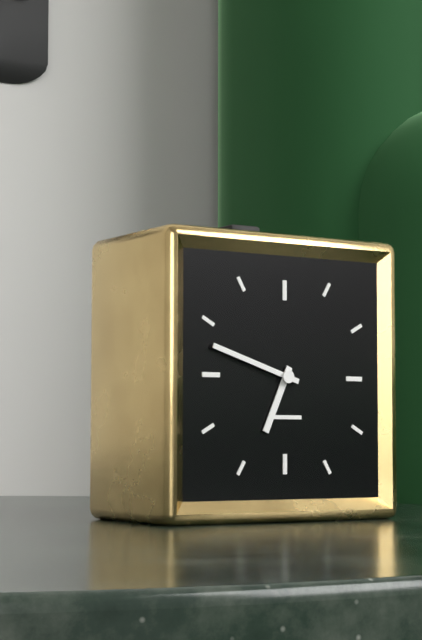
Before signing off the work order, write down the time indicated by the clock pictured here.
6:48
